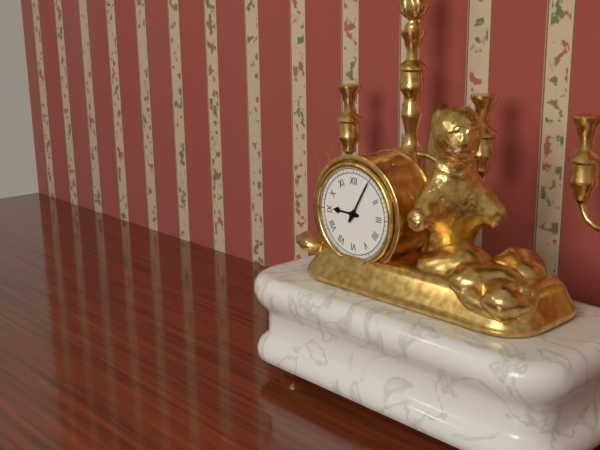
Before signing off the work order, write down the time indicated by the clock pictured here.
9:05
